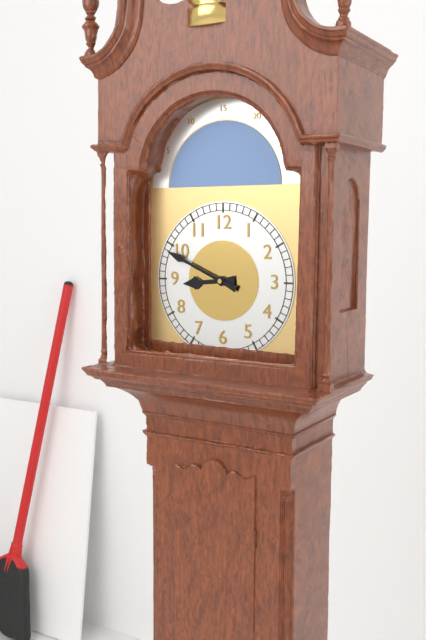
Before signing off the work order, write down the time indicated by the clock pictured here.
8:49
